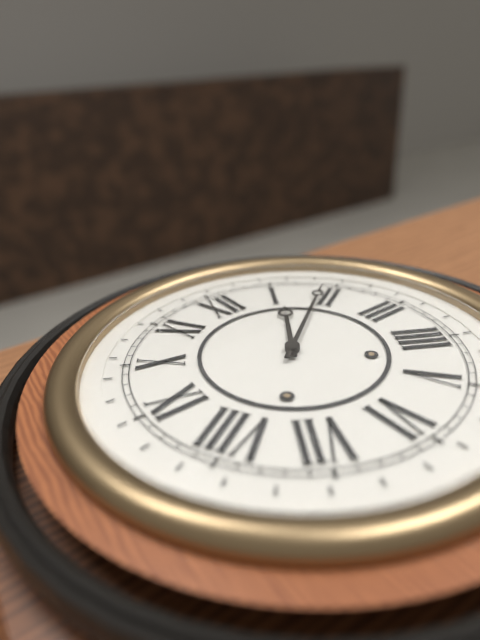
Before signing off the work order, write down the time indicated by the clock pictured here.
1:09
